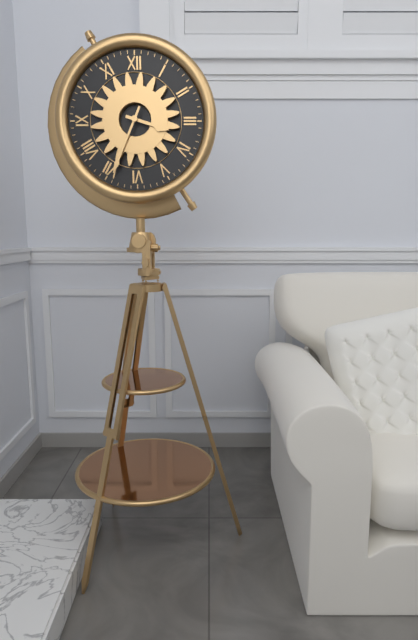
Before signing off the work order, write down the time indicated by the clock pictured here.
3:34
